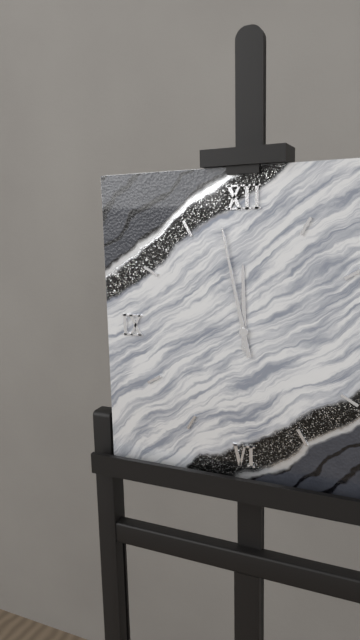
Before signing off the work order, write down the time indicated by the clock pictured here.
11:58
